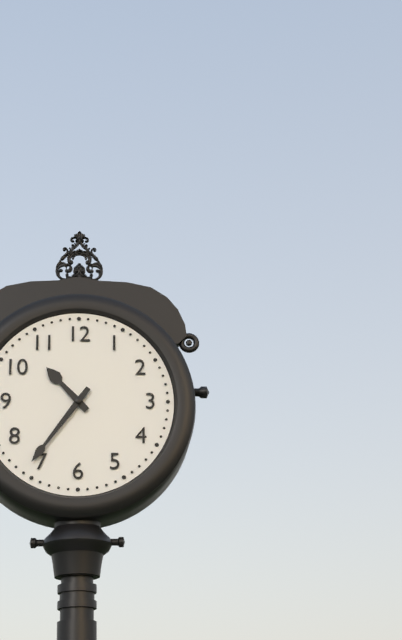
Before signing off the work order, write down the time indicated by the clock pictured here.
10:36
